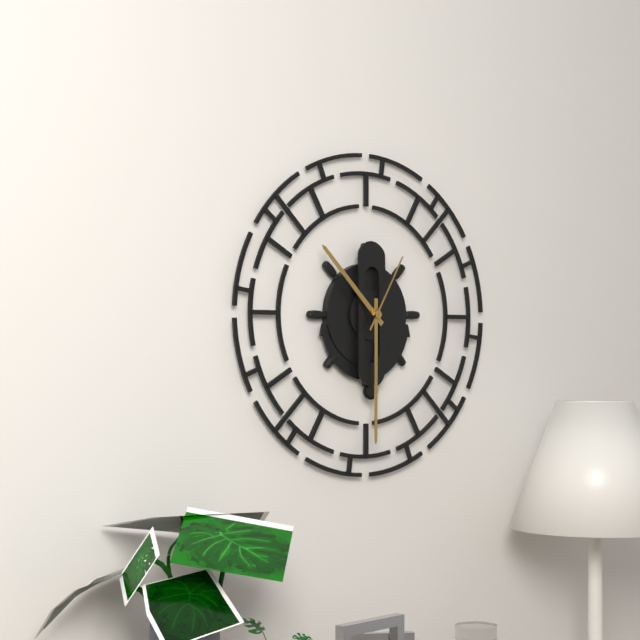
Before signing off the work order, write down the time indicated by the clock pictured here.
10:30:05
